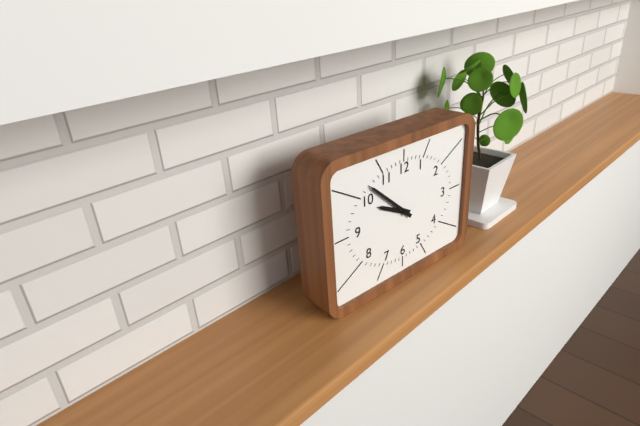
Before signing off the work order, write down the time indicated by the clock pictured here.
9:52
